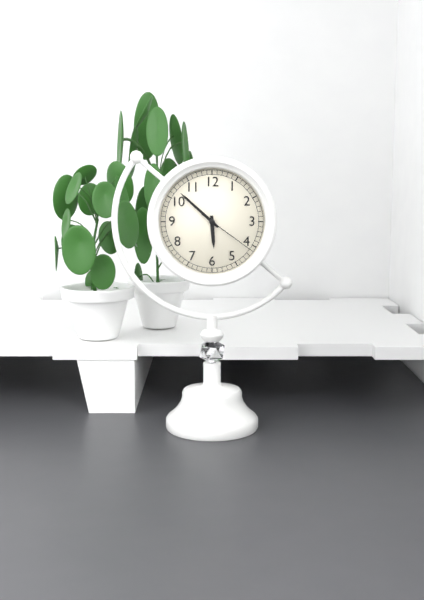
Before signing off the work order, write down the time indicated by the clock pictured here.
5:52:21
